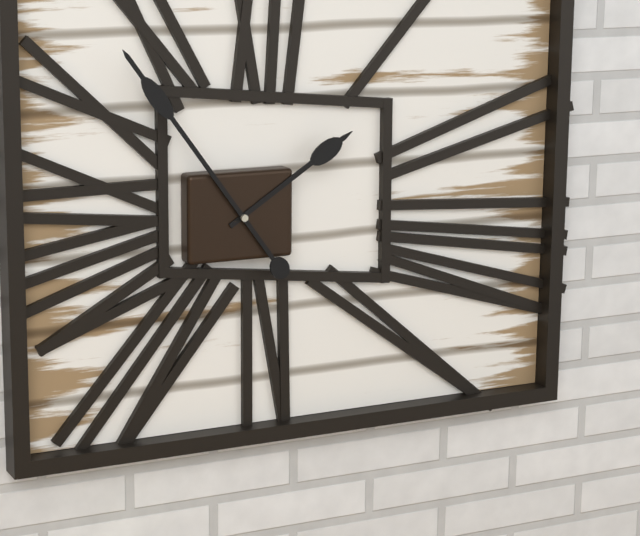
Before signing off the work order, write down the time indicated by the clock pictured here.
1:54
